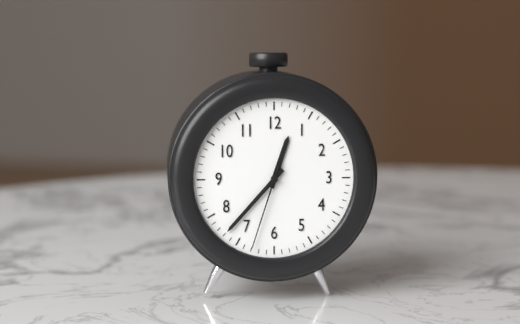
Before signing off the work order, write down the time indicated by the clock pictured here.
12:37:33
